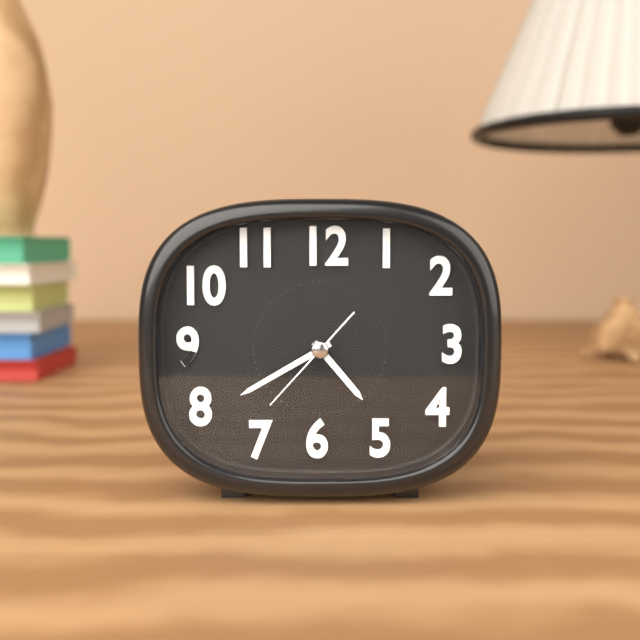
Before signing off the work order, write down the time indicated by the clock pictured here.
4:40:37
